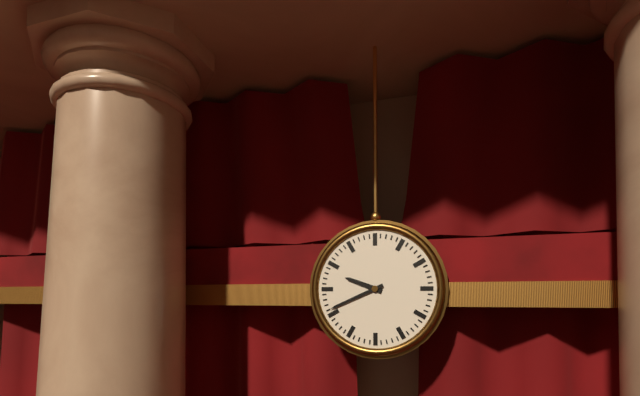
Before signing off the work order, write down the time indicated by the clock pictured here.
9:41
